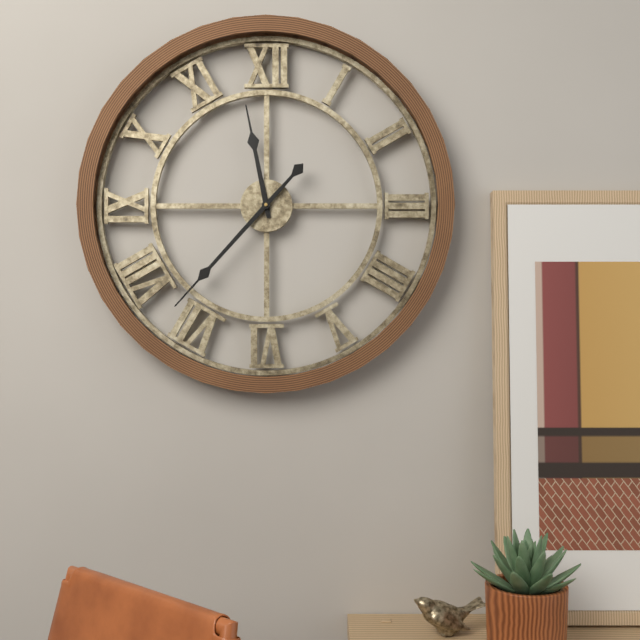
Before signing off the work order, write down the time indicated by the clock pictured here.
11:37
